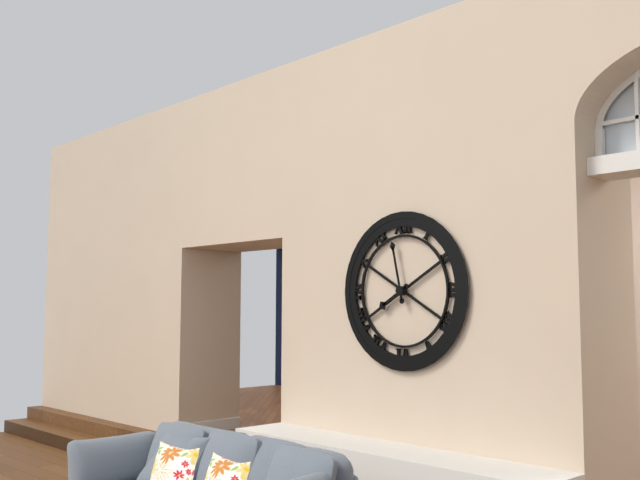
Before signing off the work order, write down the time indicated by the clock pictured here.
7:58
